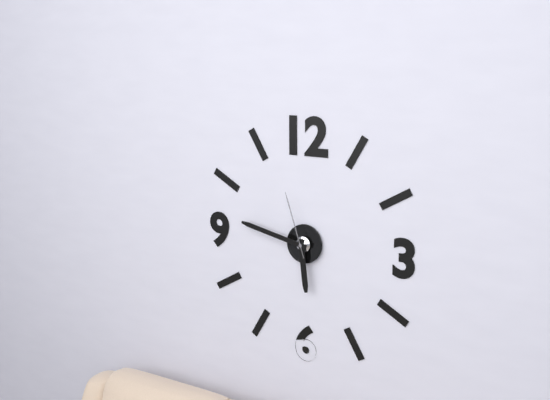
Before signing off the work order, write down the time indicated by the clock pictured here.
5:47:57
